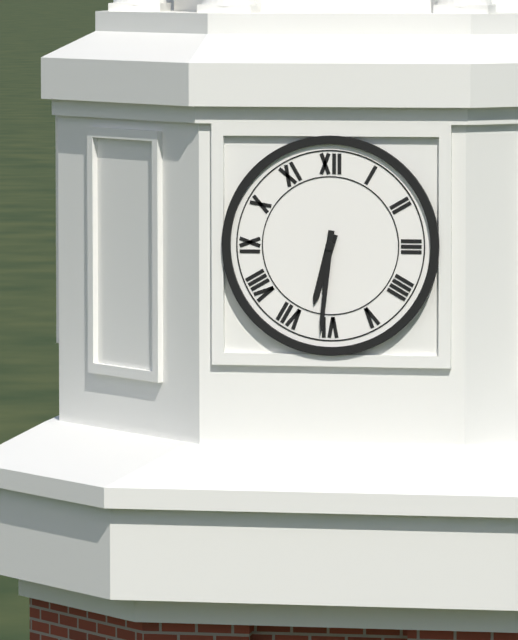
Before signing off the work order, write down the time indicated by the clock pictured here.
6:31
